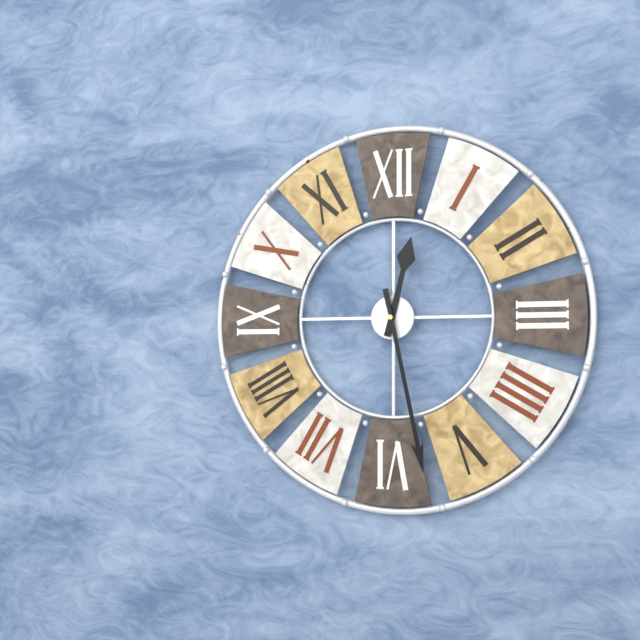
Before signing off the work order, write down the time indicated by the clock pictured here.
12:28
